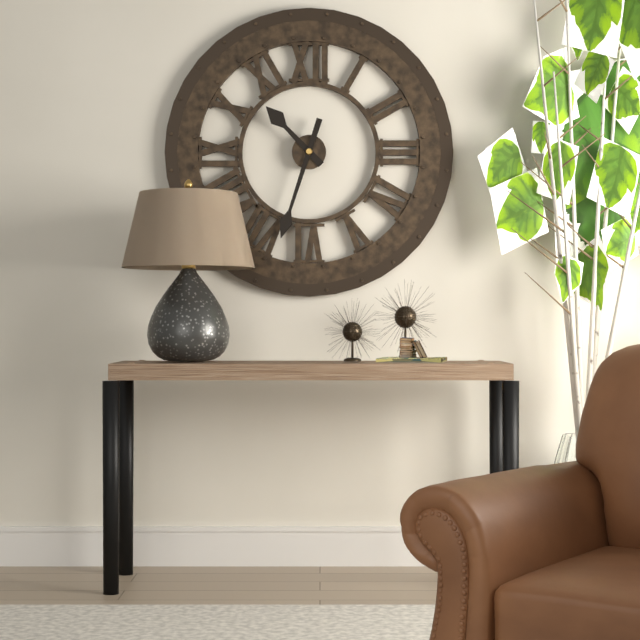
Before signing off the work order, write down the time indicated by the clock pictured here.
10:33
